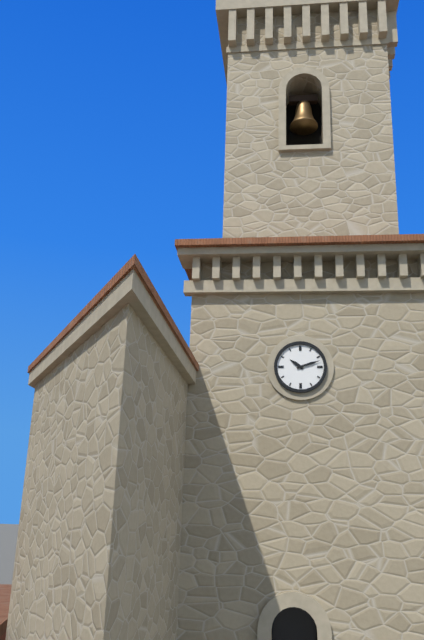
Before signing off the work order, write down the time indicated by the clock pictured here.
10:12
